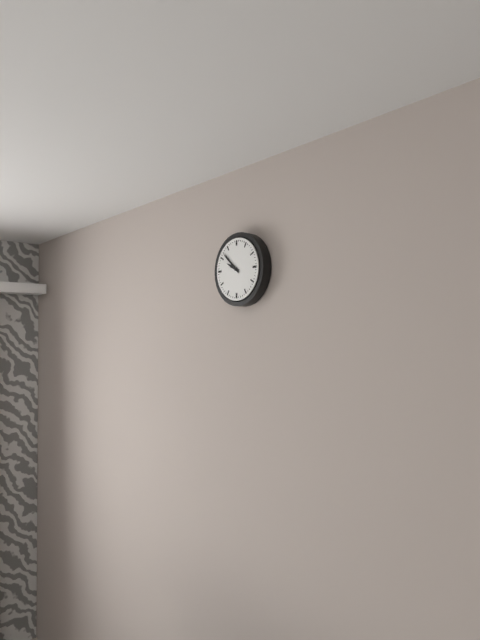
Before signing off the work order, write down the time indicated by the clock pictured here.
9:52
